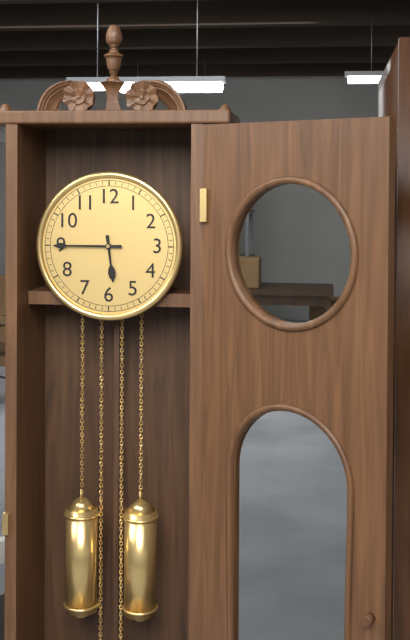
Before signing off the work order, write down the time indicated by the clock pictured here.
5:45
